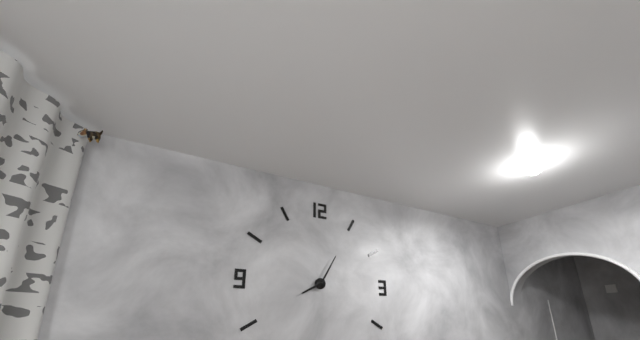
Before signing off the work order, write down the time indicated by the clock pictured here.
8:05
